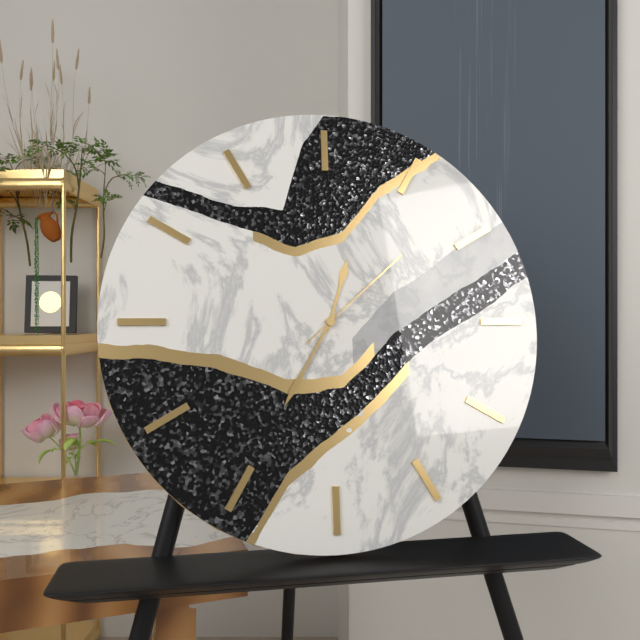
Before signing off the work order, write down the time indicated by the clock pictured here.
12:35:08
